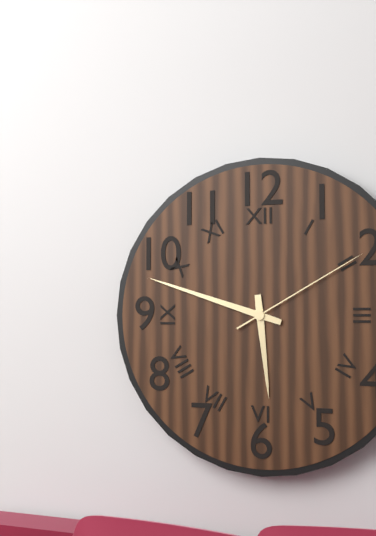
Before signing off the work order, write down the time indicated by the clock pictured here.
5:48:10
